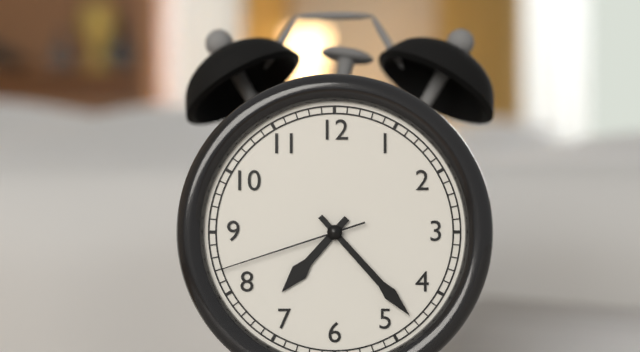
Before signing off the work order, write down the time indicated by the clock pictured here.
7:23:42
